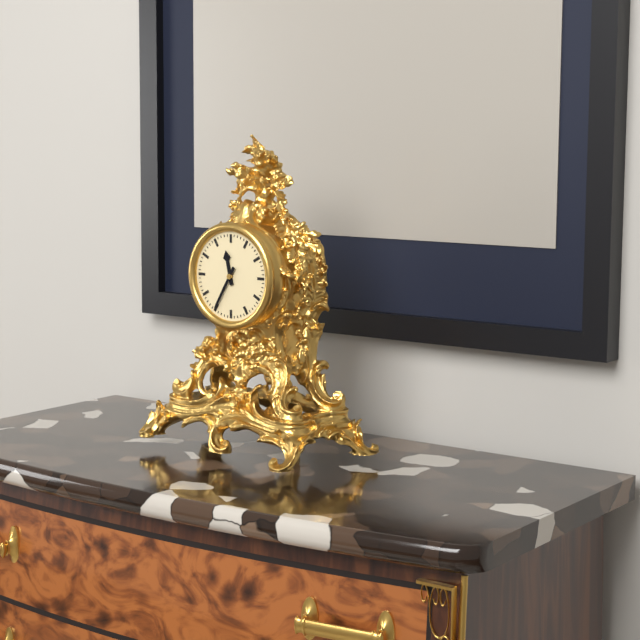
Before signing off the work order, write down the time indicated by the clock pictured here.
11:35
